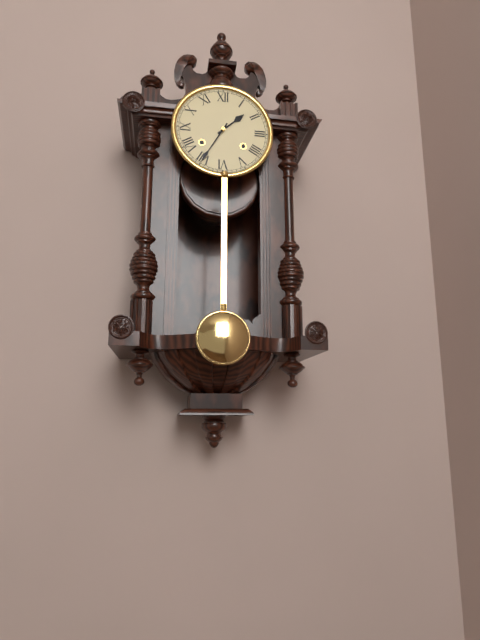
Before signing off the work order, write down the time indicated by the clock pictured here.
1:35
